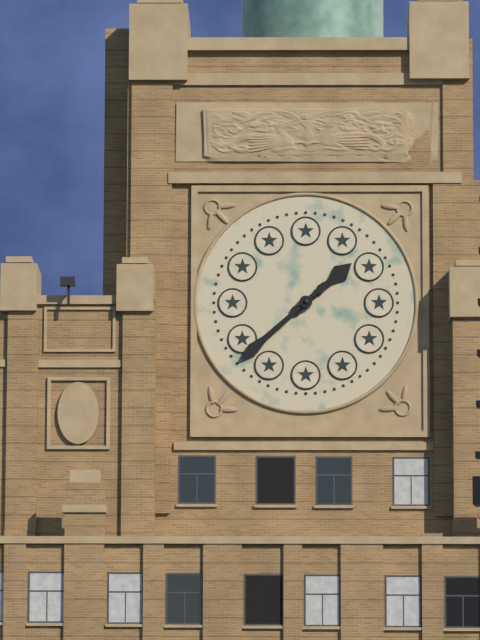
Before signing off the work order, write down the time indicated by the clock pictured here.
1:38
